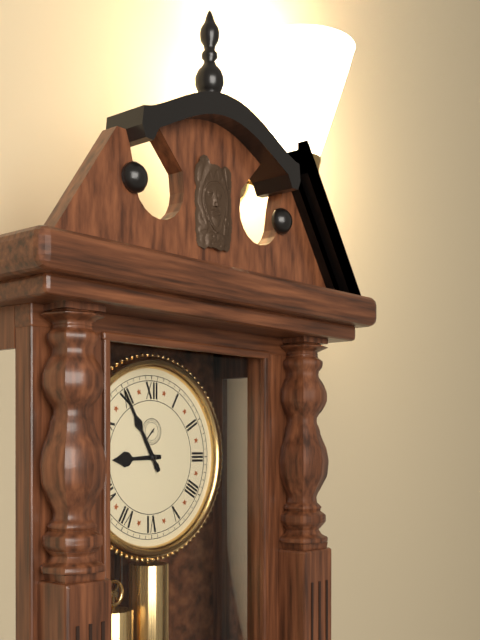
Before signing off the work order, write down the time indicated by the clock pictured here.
8:55
